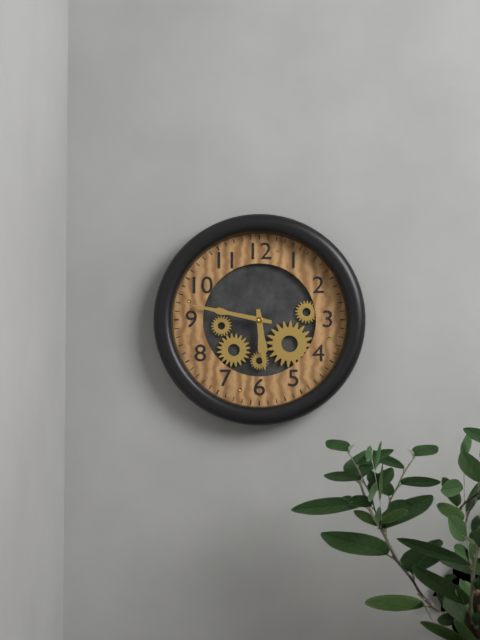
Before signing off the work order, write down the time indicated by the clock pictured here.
5:47
